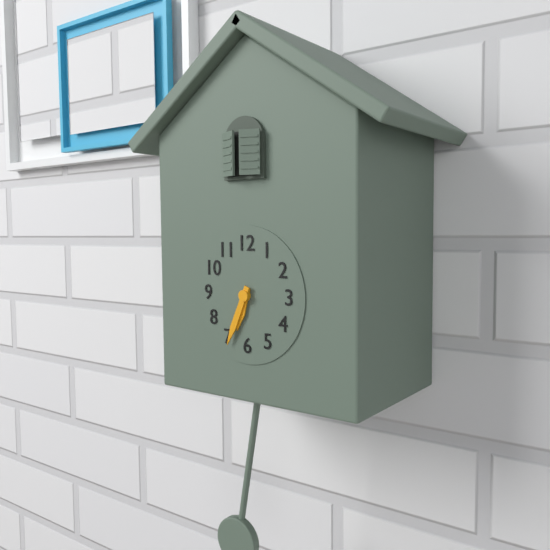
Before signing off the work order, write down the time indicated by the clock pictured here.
6:34
